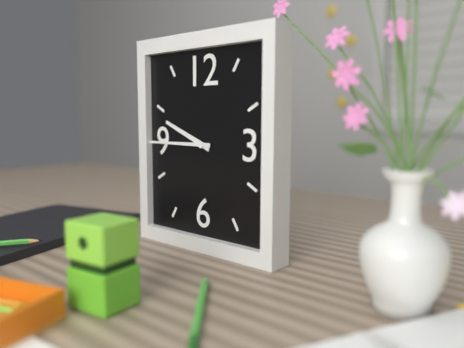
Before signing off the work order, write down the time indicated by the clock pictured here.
9:45
